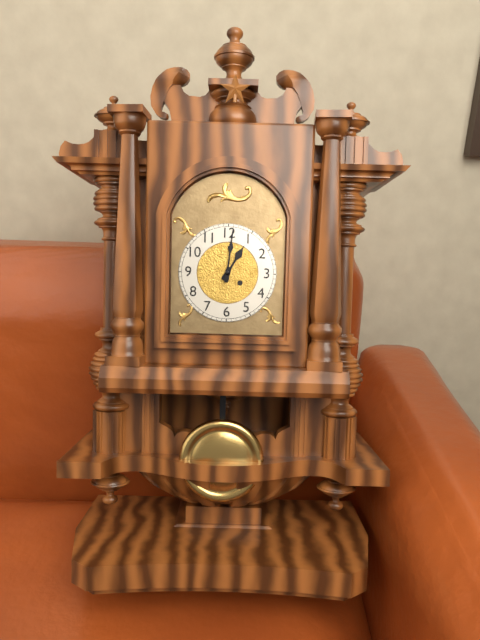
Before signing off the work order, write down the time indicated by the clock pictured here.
1:01
